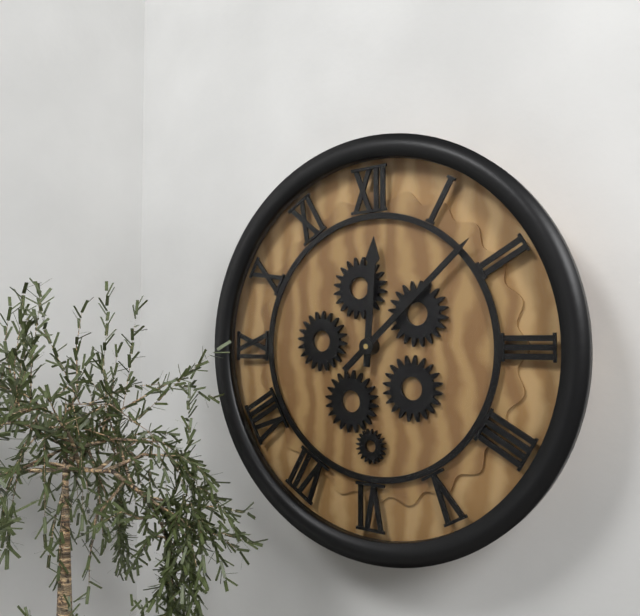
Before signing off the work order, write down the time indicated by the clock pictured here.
12:08
